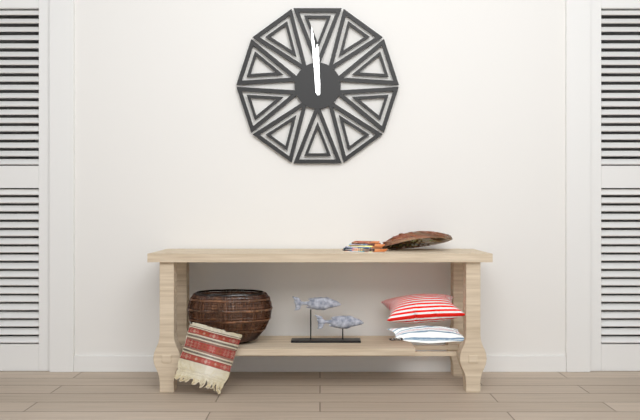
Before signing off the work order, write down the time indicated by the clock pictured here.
11:59
